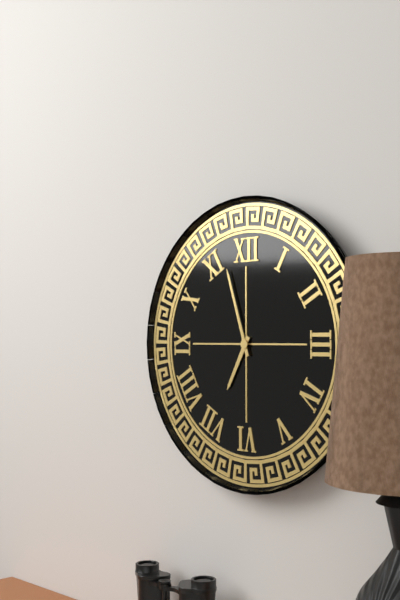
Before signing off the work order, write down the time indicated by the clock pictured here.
6:57
